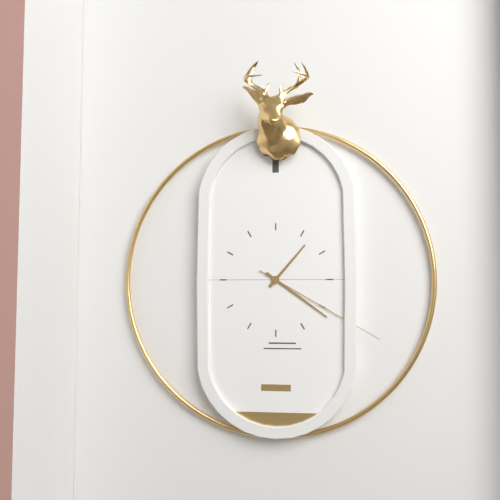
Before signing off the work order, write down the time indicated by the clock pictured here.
1:21:20
